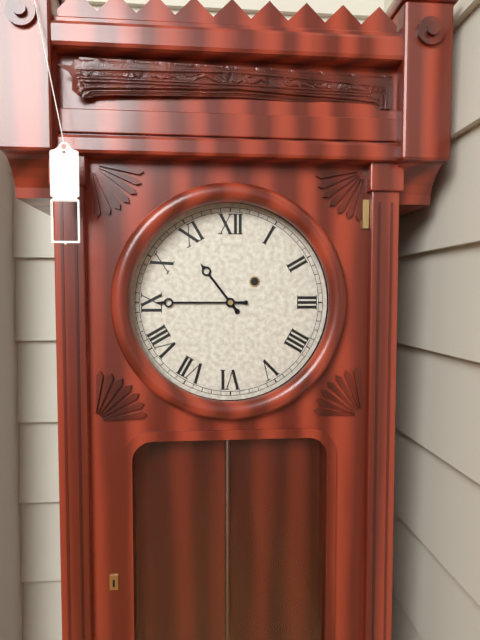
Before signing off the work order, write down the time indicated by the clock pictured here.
10:45
